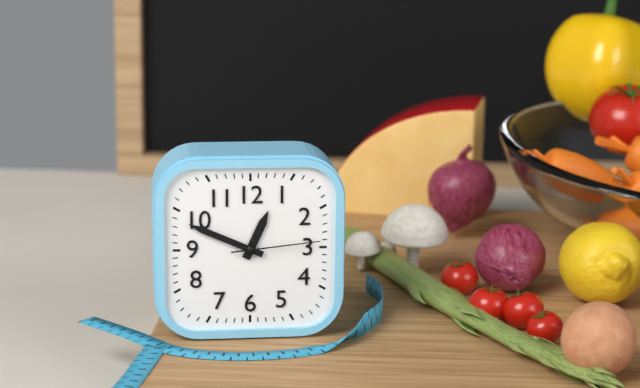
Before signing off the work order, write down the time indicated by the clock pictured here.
12:49:14
